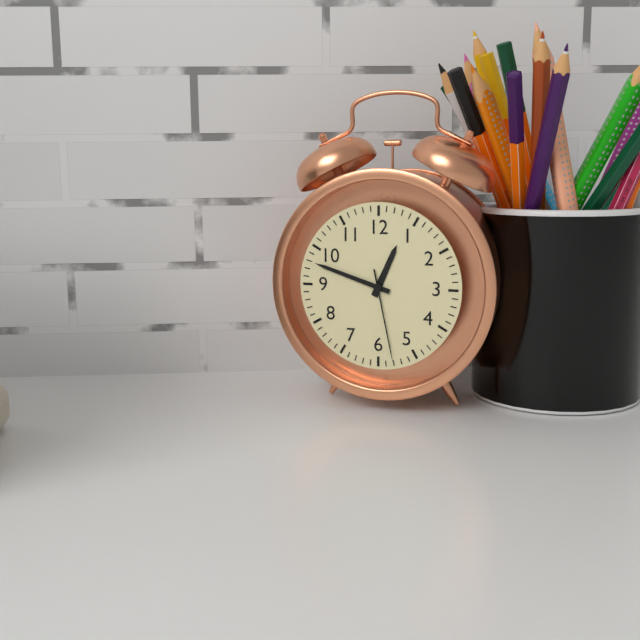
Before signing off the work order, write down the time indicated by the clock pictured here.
12:48:28
